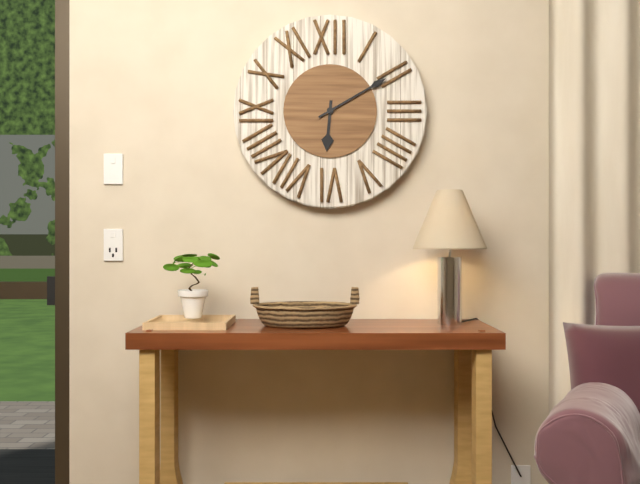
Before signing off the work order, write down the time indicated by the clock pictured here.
6:10
